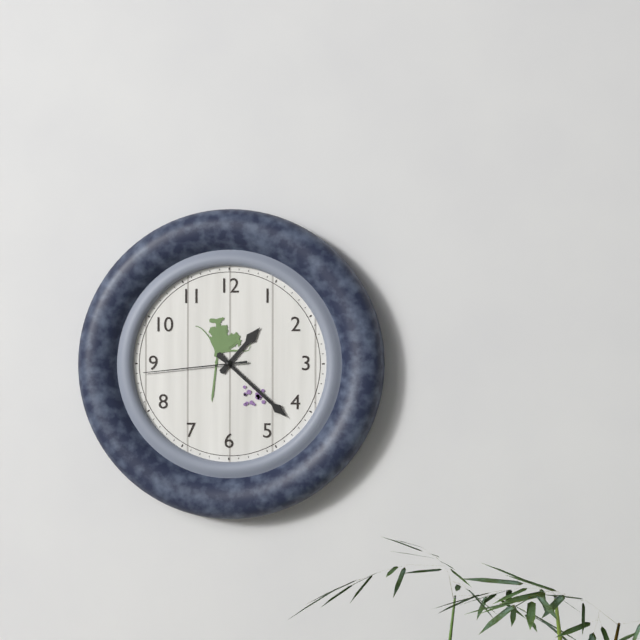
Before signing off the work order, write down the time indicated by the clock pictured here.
1:22:44
